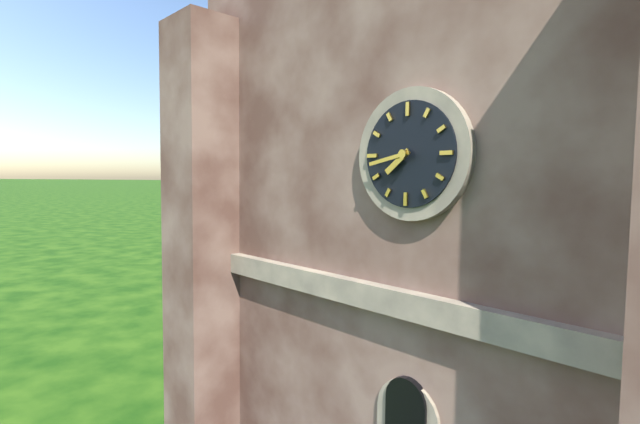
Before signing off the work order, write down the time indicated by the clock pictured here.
7:43
